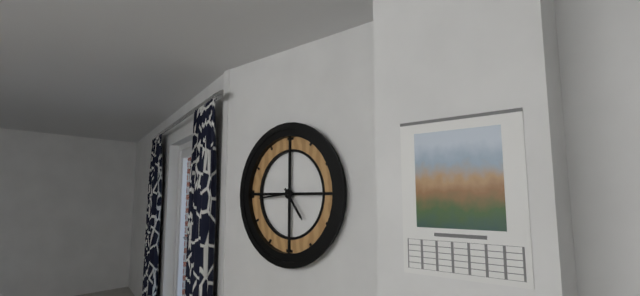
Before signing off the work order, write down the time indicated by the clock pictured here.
4:44
